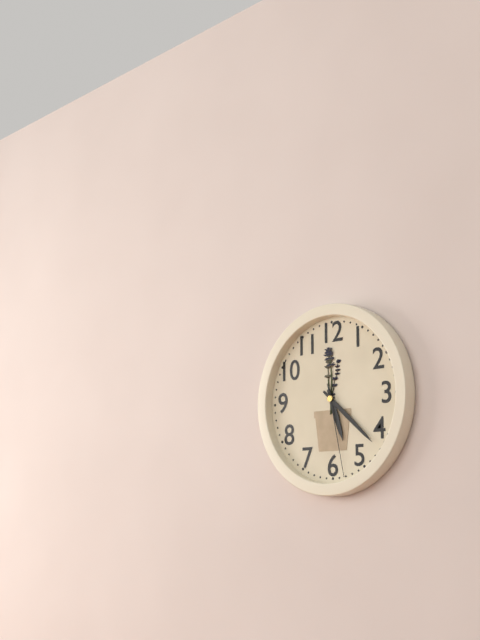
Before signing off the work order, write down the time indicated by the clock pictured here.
5:22:28
